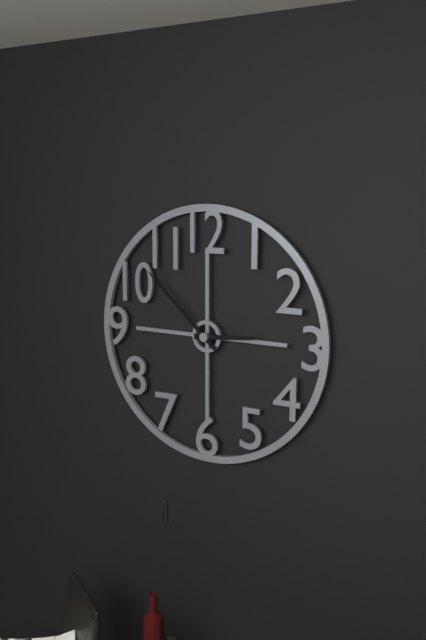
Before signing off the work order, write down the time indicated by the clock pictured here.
2:52
